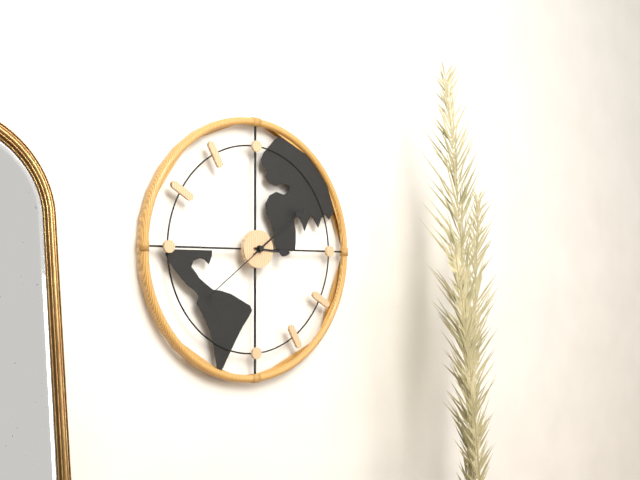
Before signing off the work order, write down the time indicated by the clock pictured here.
3:09:39
